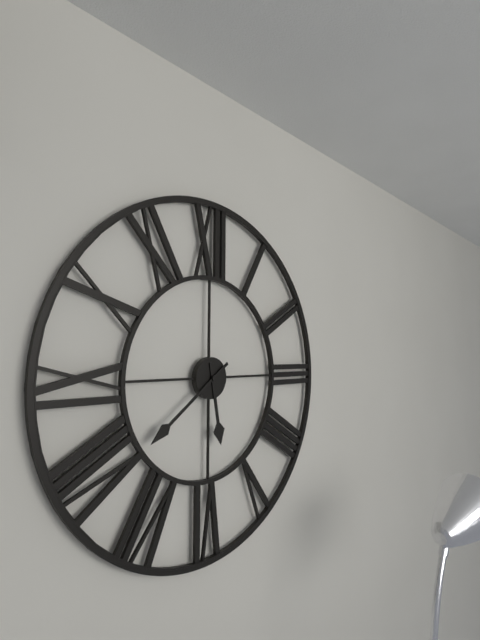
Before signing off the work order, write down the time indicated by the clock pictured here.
5:39
